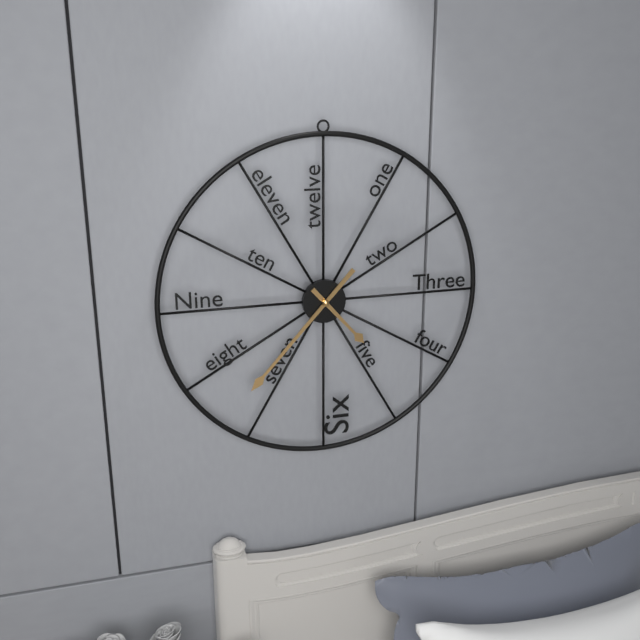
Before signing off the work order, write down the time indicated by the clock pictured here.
4:37
